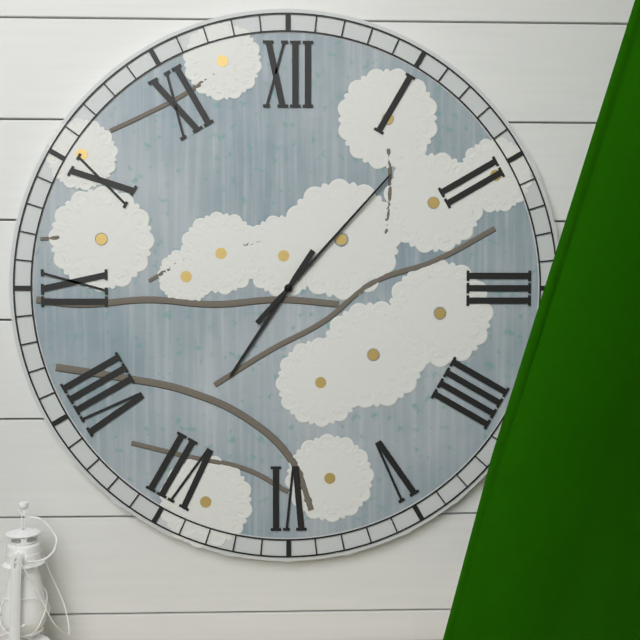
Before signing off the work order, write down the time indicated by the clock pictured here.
7:07
